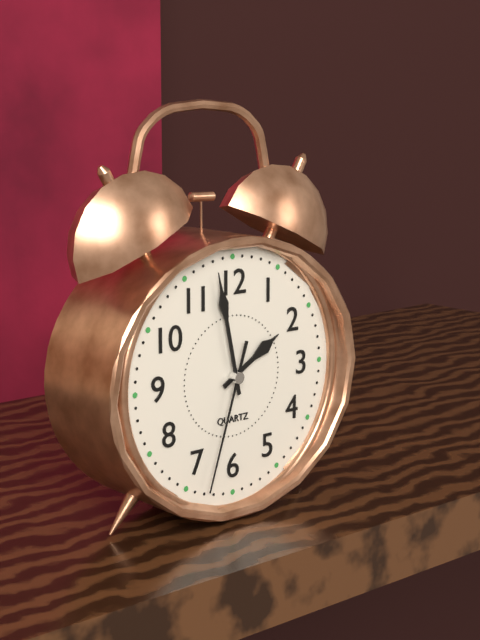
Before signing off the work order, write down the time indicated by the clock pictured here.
1:58:33
